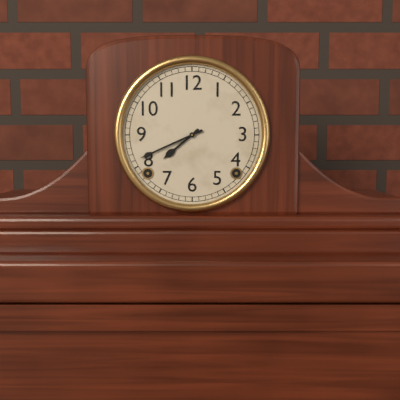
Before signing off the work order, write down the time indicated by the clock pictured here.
7:41
